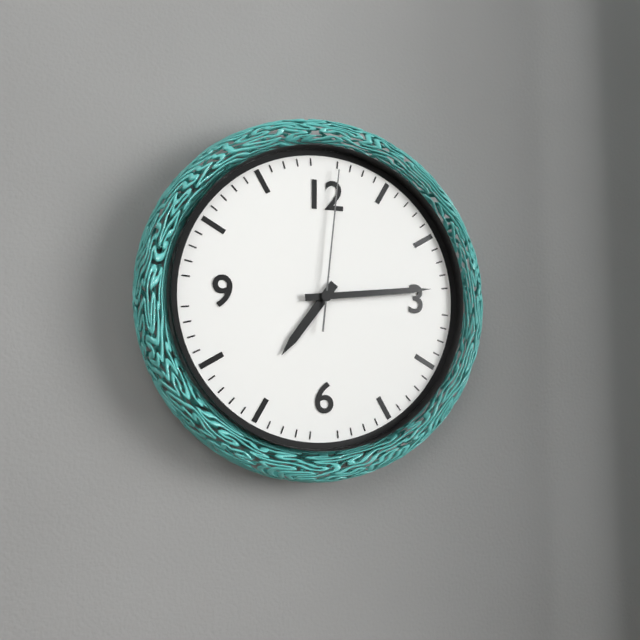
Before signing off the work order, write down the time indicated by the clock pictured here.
7:14:01
